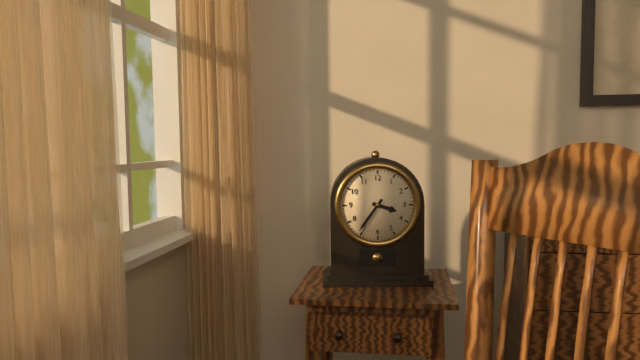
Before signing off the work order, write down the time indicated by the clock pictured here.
3:36
